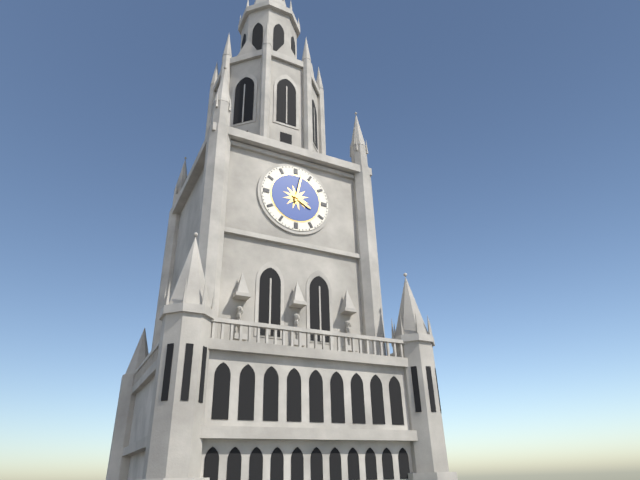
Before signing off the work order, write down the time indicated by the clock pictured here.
4:02
